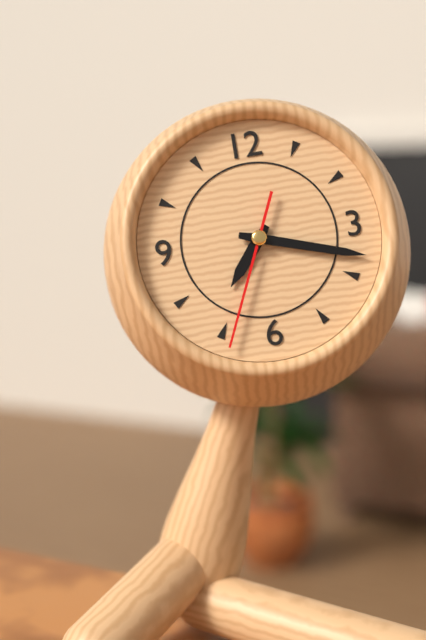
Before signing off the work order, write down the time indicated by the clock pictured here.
7:18:34
